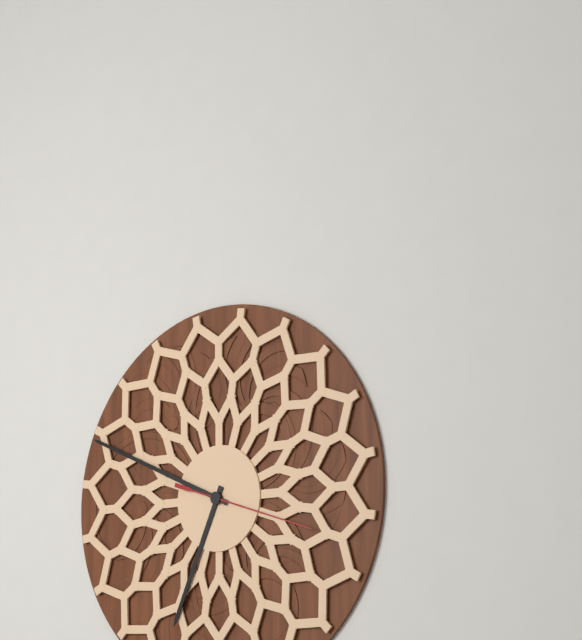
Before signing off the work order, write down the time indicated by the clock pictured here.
6:49:18
